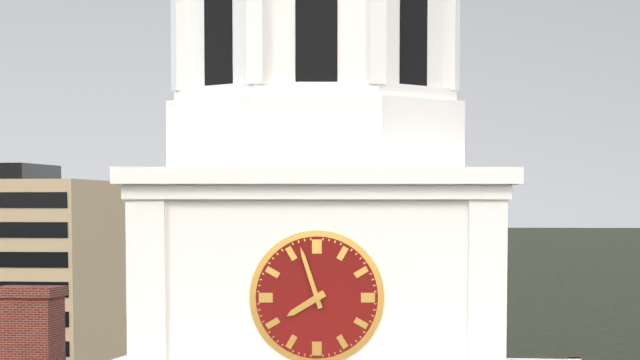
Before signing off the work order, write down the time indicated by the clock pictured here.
7:57
